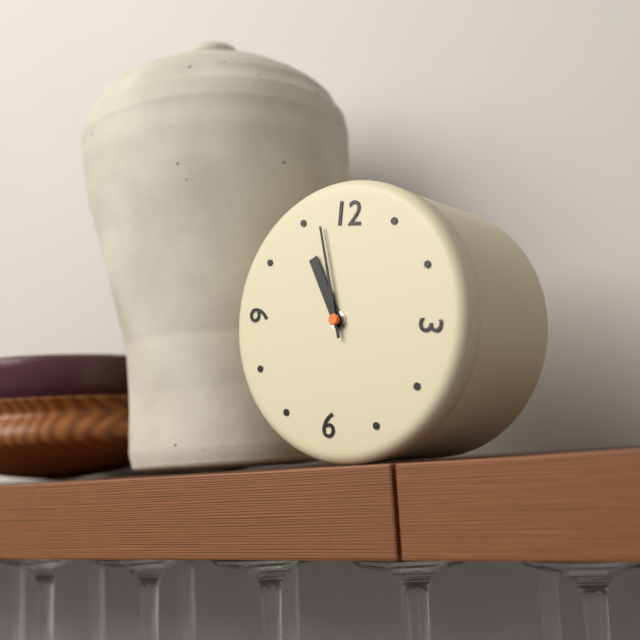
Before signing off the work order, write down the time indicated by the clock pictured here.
10:57
